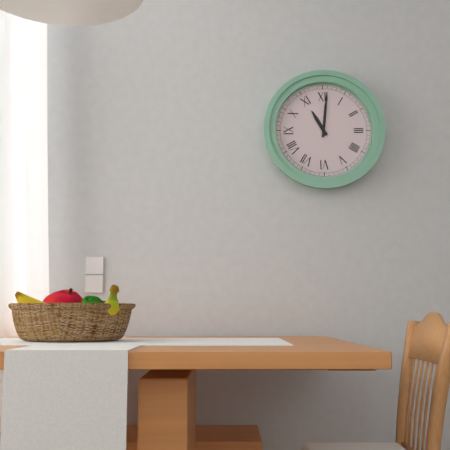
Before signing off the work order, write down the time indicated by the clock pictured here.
11:01
